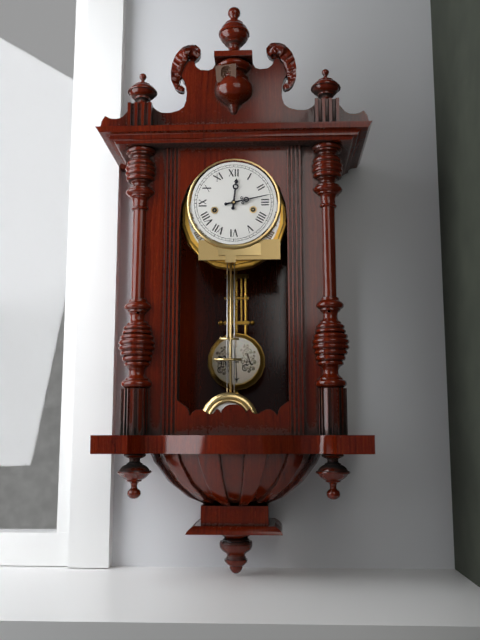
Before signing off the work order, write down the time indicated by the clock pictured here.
12:13
